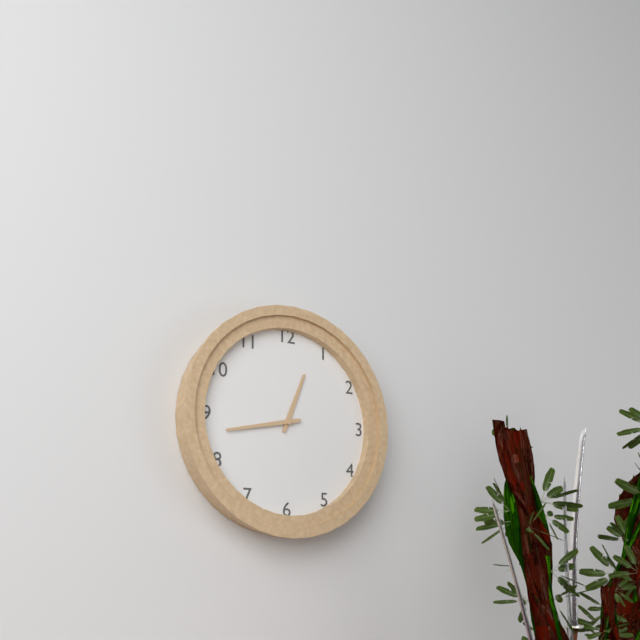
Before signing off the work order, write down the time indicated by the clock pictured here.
12:43
